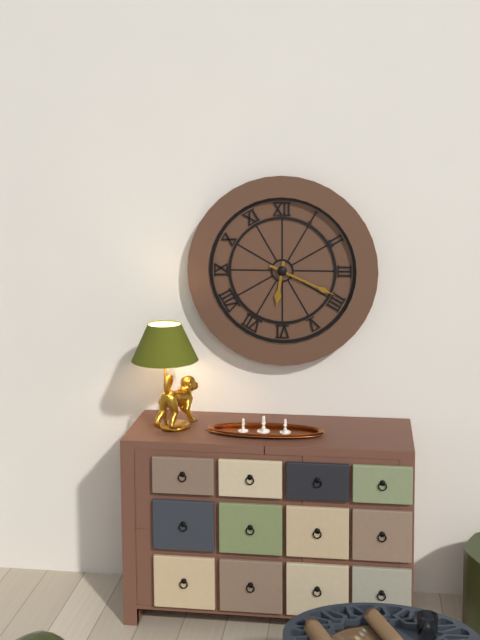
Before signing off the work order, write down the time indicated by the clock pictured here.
6:19
